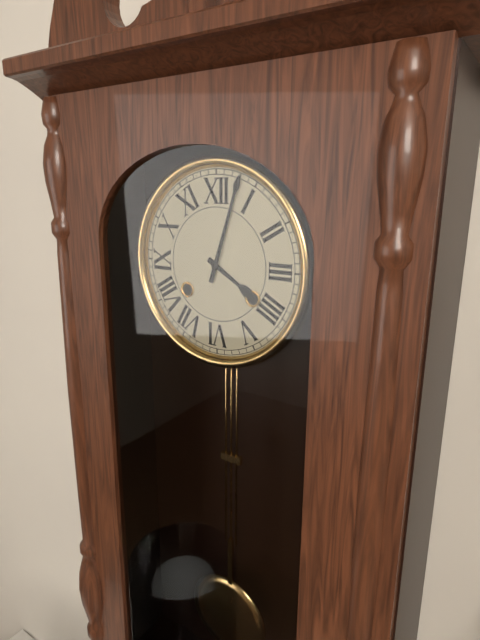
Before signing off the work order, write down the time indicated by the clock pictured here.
4:03
